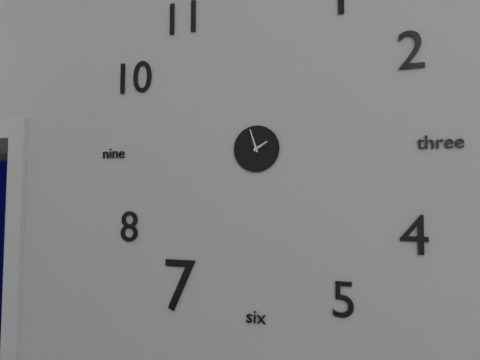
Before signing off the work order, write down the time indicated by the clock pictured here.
1:57
